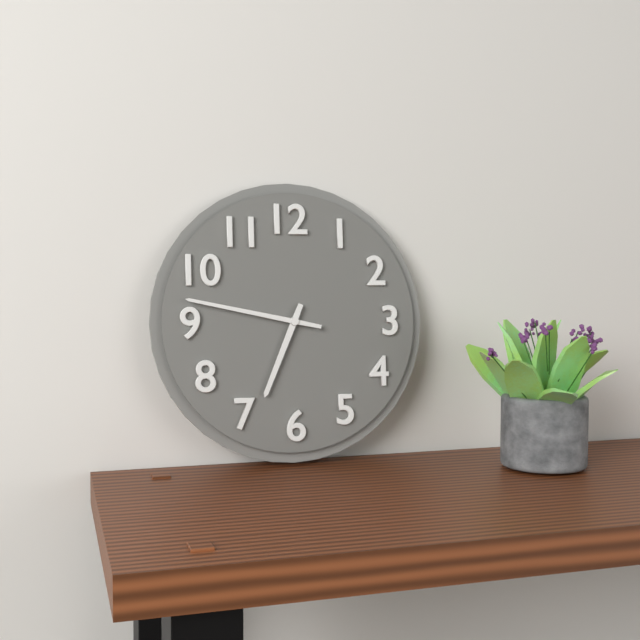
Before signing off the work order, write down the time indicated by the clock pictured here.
6:47
